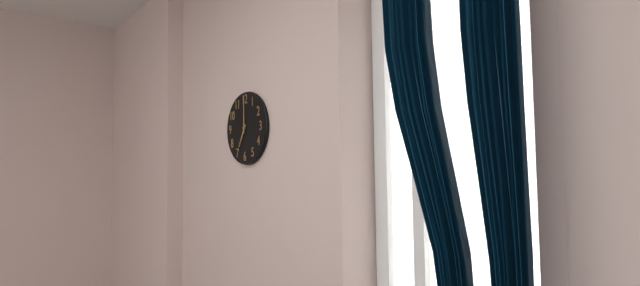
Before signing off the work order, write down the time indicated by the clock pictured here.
7:00
